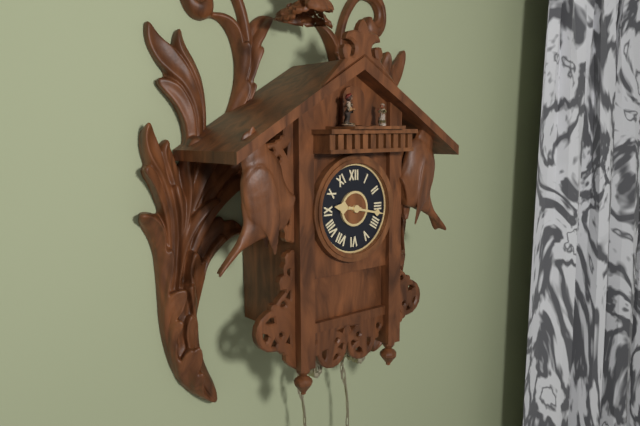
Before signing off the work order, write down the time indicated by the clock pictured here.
9:17
